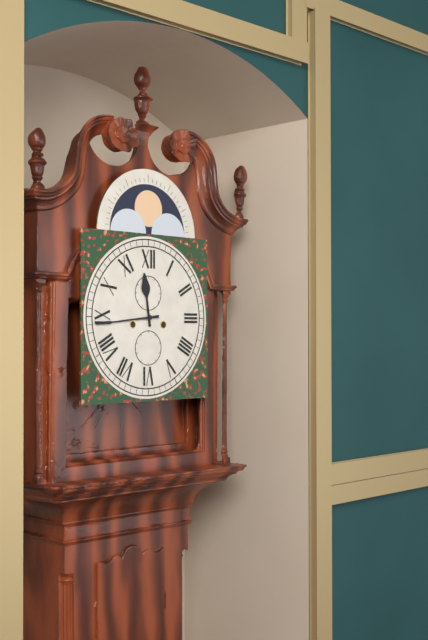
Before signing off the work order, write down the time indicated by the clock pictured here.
11:44
